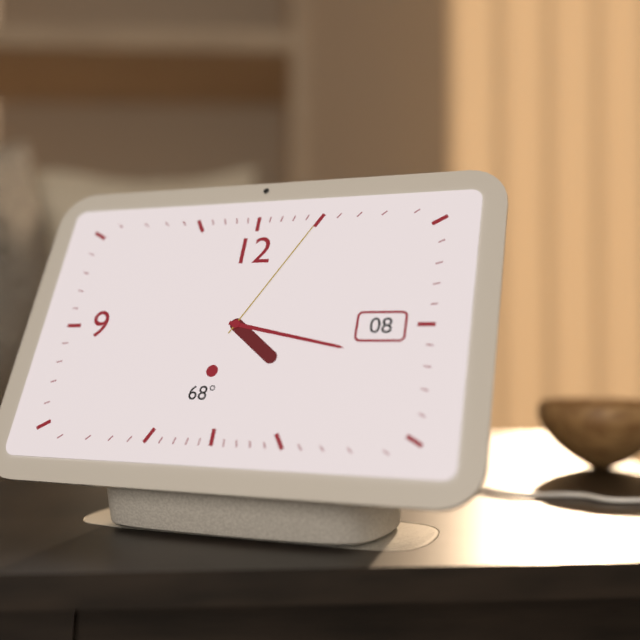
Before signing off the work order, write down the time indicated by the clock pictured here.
4:17:05
